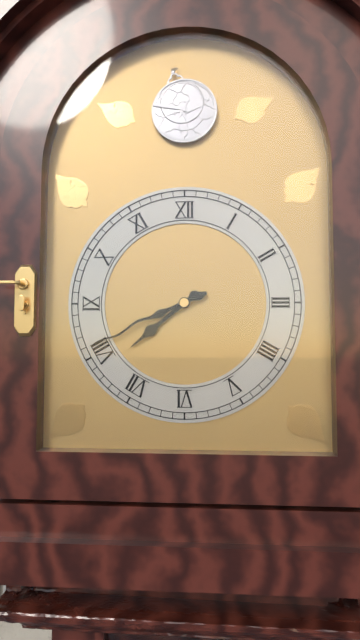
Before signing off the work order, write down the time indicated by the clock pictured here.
7:41
